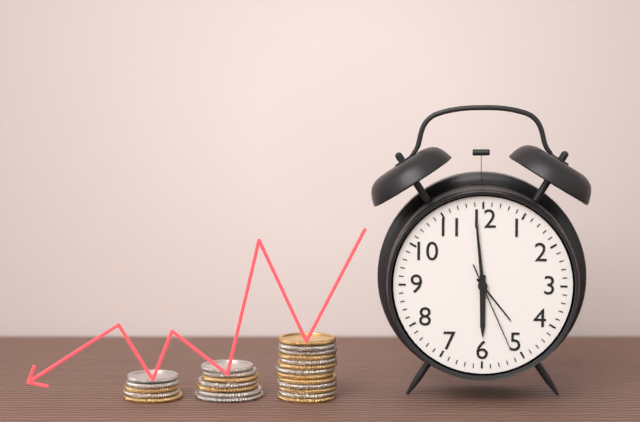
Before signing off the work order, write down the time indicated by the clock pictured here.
5:59:26
